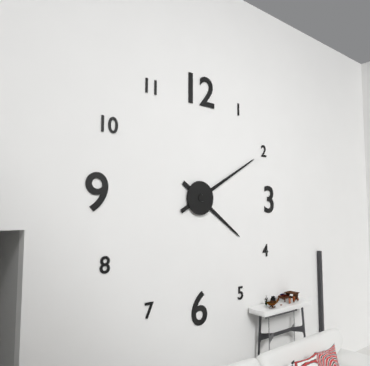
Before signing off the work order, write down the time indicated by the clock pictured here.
4:10
